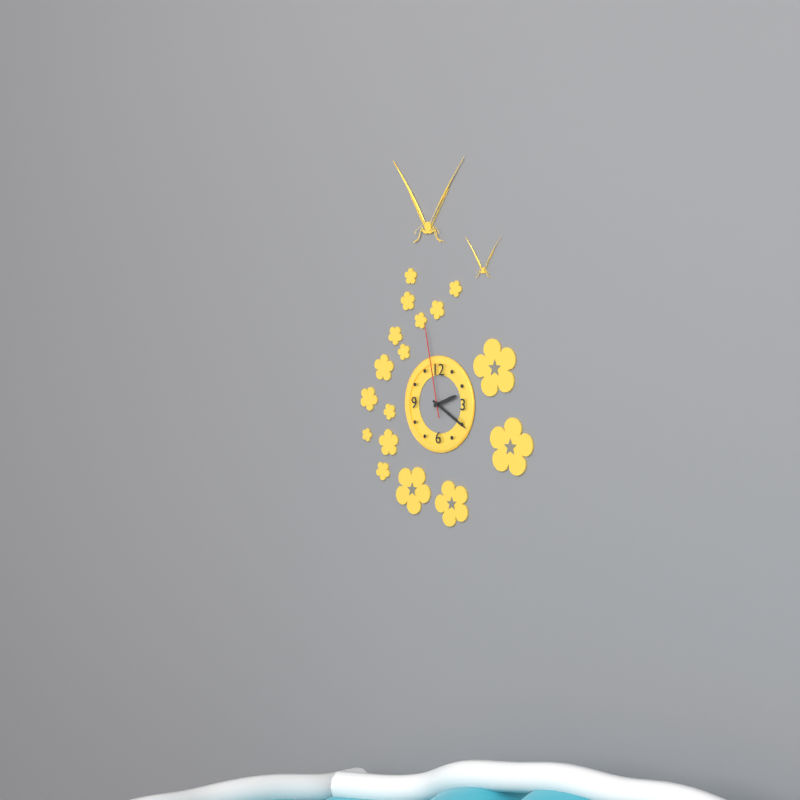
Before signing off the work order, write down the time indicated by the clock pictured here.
2:20:58
